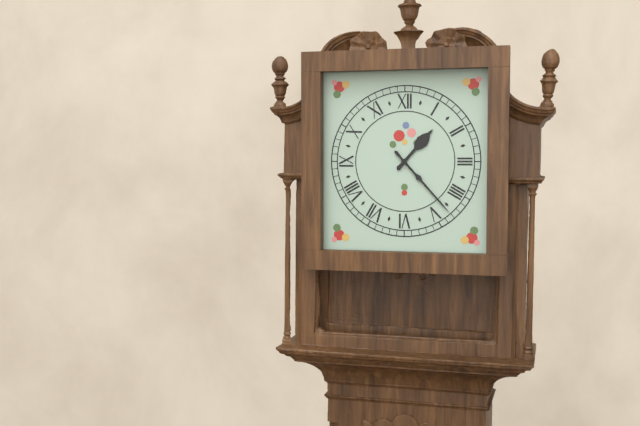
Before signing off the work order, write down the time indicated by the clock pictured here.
1:23
